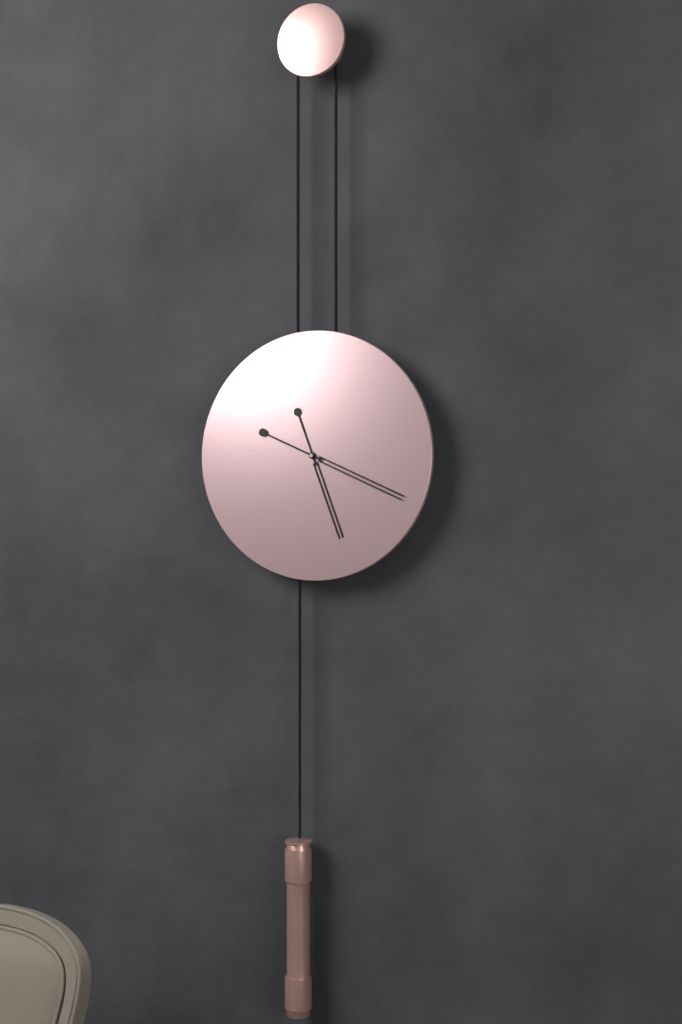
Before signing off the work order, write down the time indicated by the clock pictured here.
5:19
